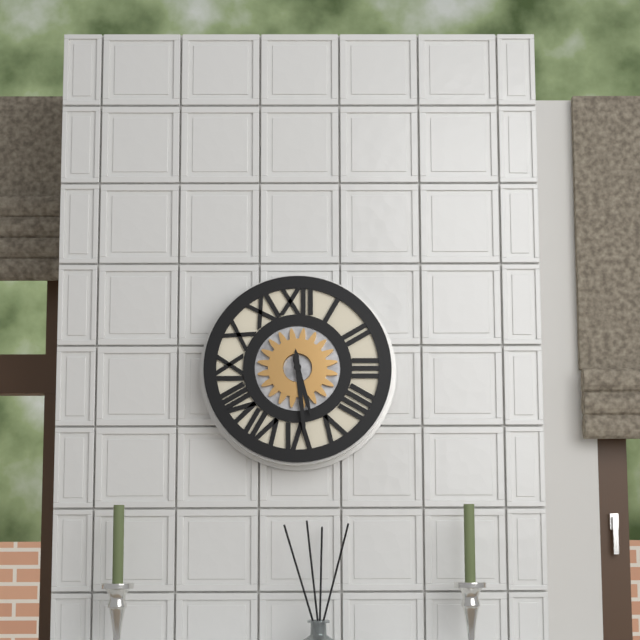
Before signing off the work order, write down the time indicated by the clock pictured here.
5:29
